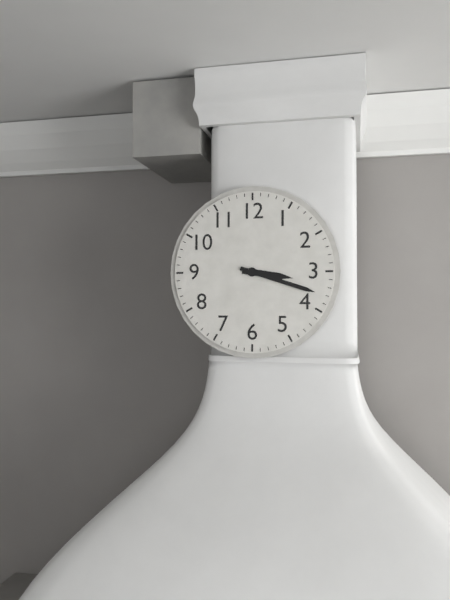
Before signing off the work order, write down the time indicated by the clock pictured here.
3:18
